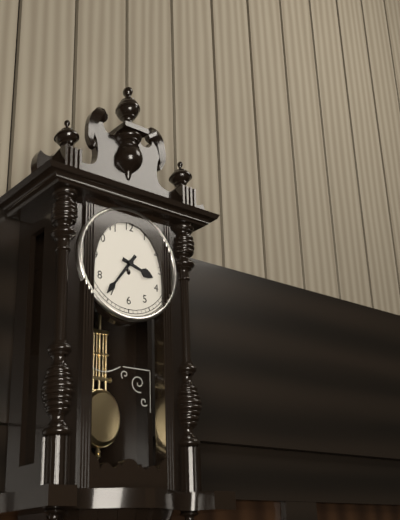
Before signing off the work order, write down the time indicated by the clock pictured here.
3:36
